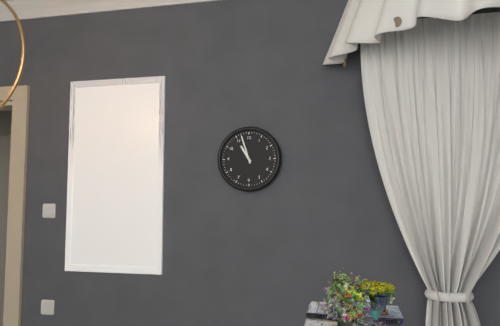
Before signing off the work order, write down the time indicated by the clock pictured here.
10:57
